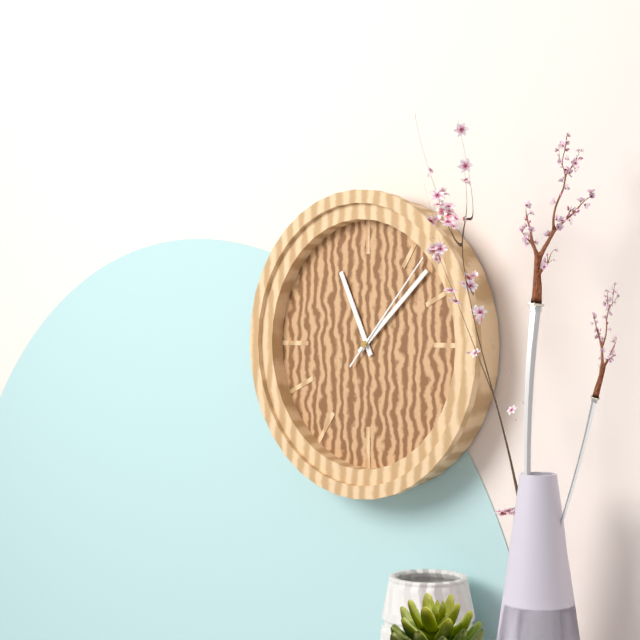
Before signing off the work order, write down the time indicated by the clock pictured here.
11:08:07
